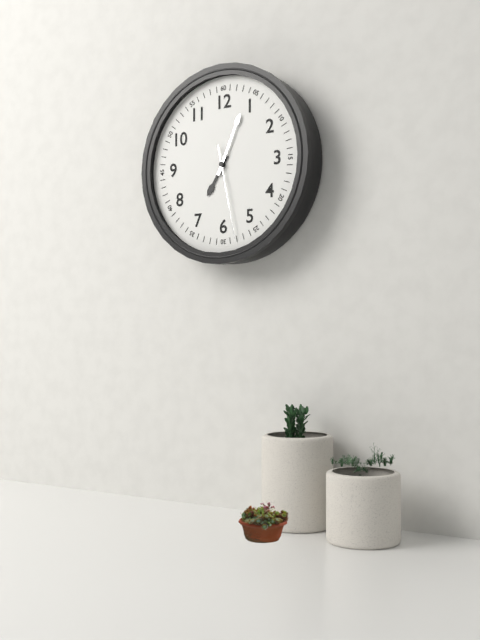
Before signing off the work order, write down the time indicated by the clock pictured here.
7:04:28
